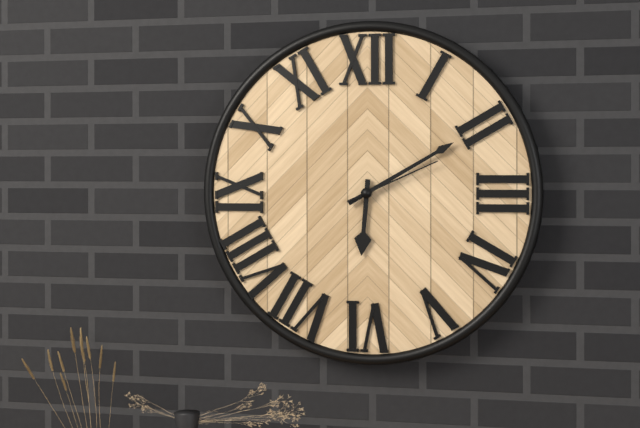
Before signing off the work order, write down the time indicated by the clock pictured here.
6:10:11
